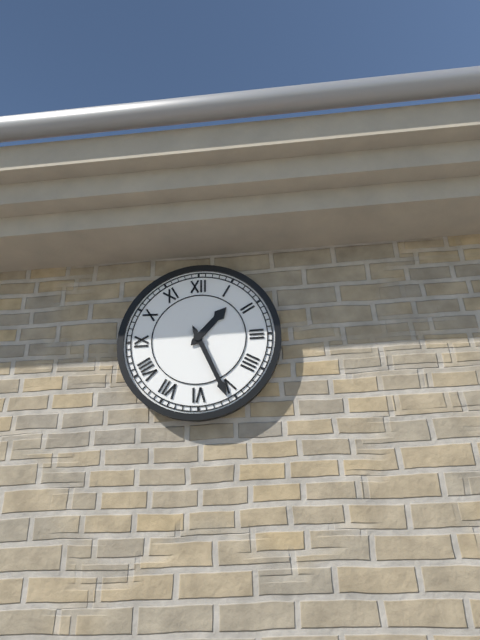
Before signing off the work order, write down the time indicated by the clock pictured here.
1:26
